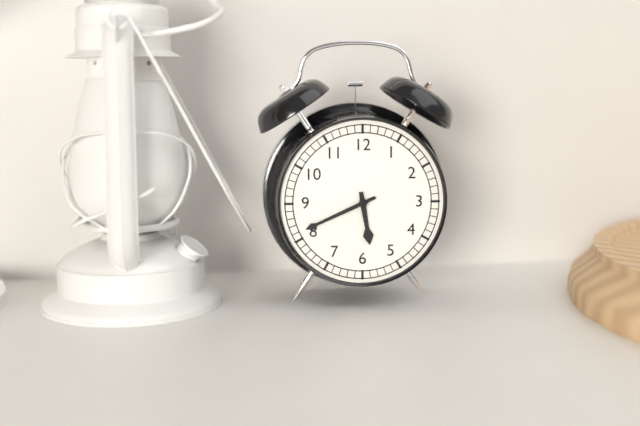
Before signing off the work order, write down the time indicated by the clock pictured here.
5:41
